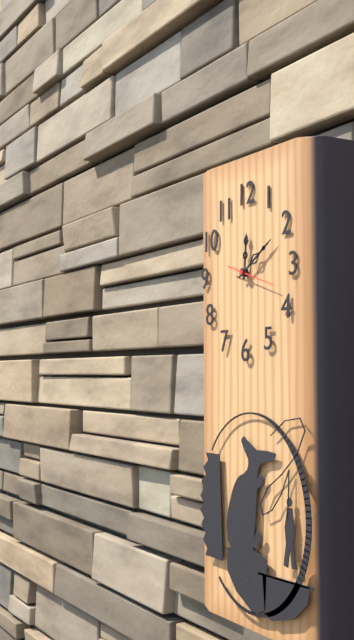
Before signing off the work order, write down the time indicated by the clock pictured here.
12:10
